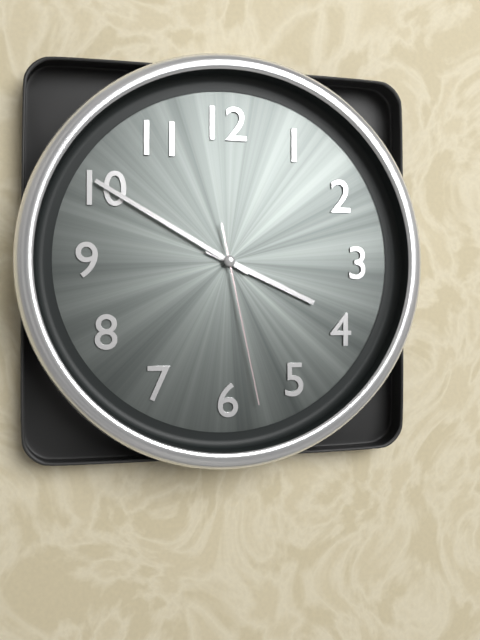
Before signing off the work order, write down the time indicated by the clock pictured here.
3:50:28
